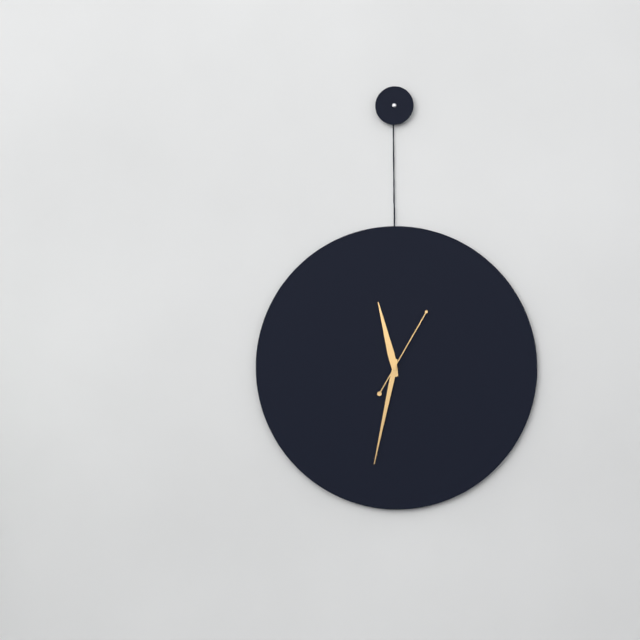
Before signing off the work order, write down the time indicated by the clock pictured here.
11:32:05
